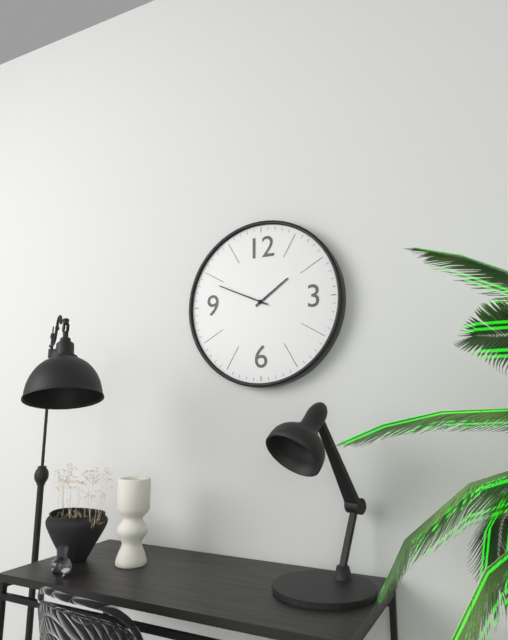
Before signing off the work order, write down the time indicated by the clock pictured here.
1:49
